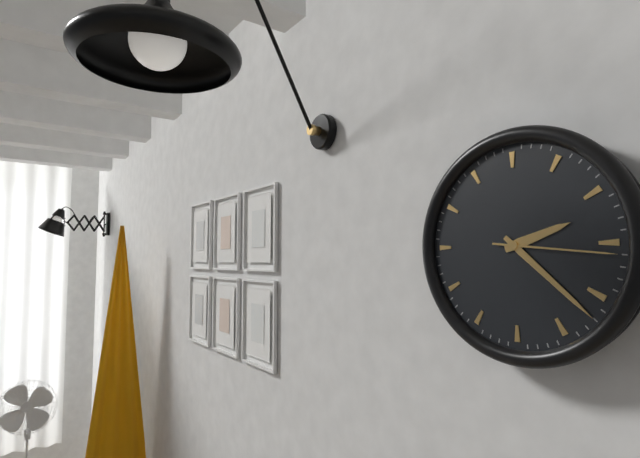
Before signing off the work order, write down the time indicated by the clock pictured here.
2:22:16
